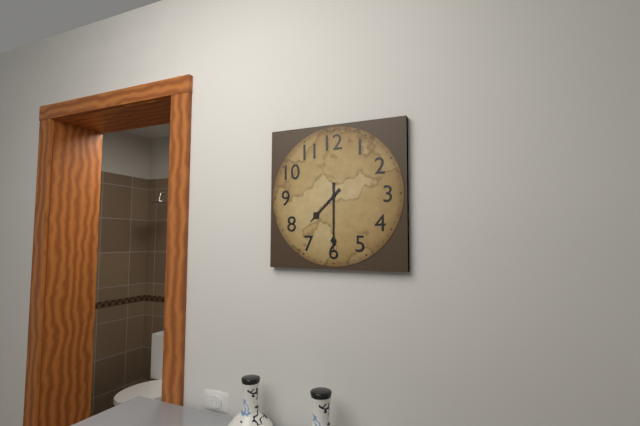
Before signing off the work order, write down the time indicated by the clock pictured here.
7:30
